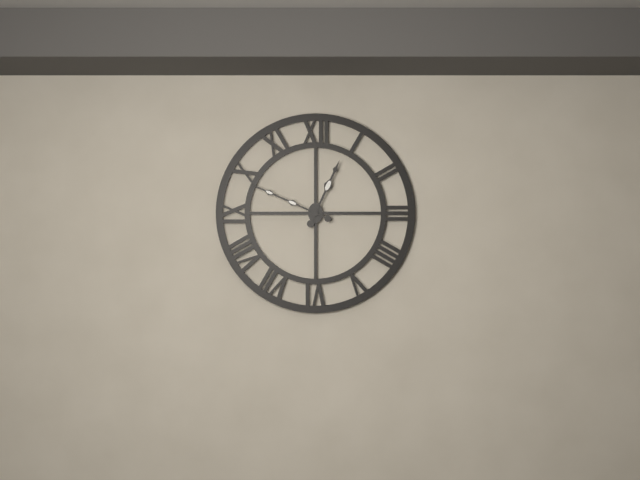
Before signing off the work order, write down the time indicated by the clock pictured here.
12:49
